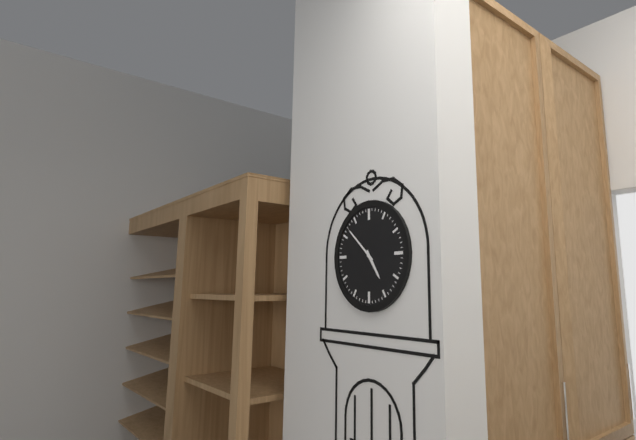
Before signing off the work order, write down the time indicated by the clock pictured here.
4:52
